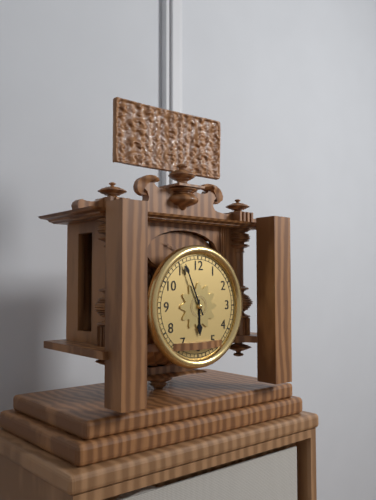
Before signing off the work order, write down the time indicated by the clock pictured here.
5:56
